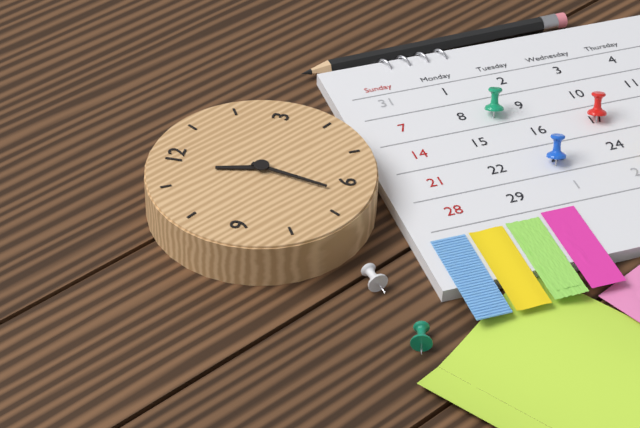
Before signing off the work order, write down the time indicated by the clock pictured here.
11:32
